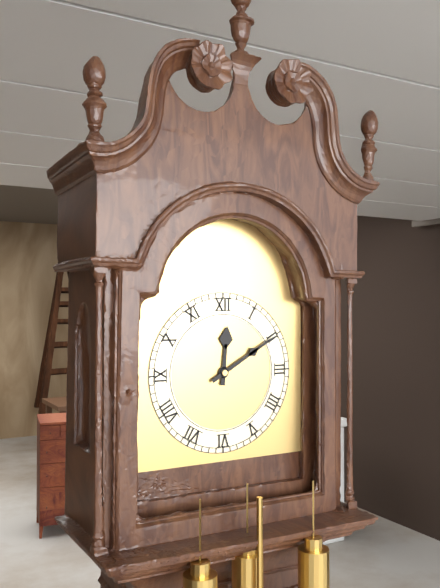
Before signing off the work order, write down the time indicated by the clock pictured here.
12:10
